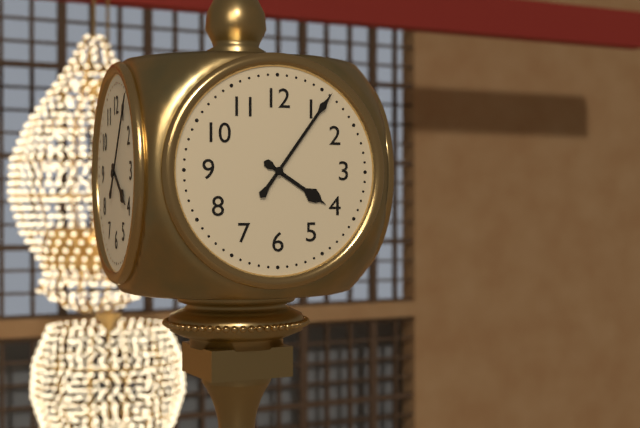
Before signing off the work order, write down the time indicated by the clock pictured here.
4:06
